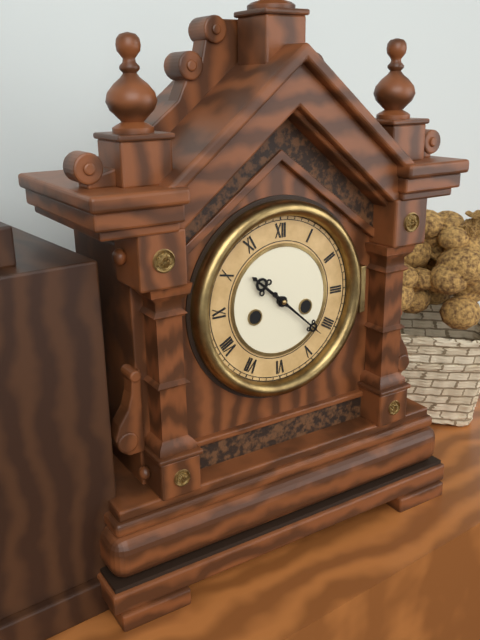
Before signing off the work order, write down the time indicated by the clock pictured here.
10:22
